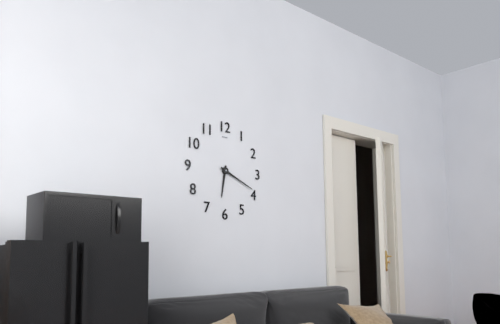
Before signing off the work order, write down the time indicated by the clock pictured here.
6:19
